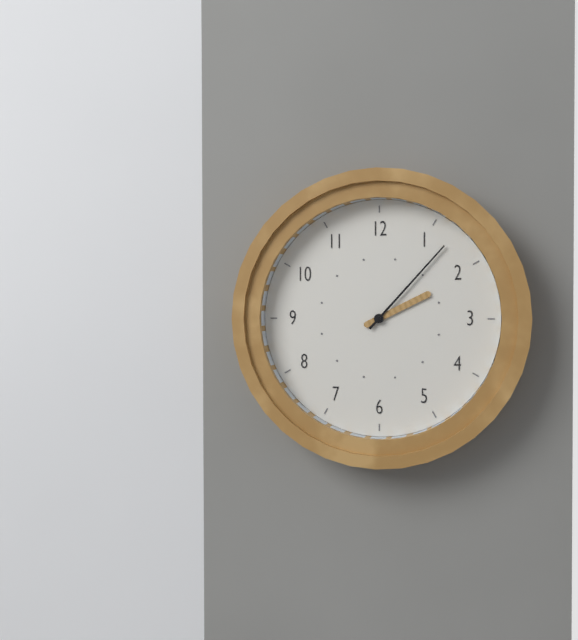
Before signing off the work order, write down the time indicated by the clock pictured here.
2:07
